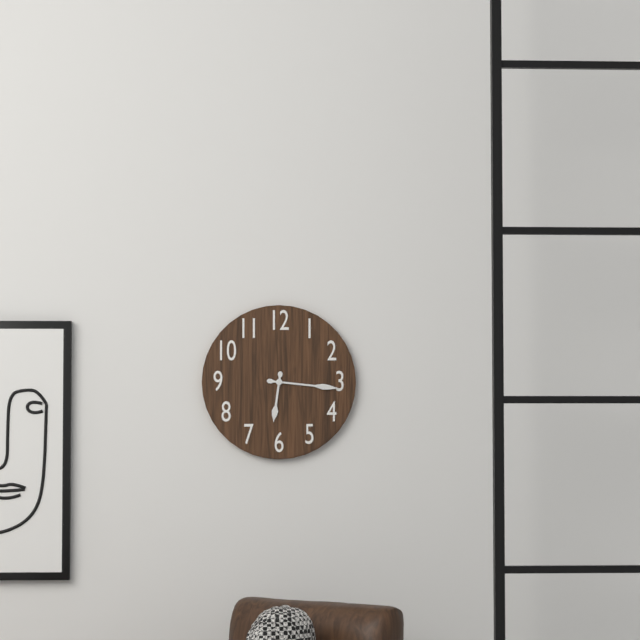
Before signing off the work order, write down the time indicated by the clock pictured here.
6:16
